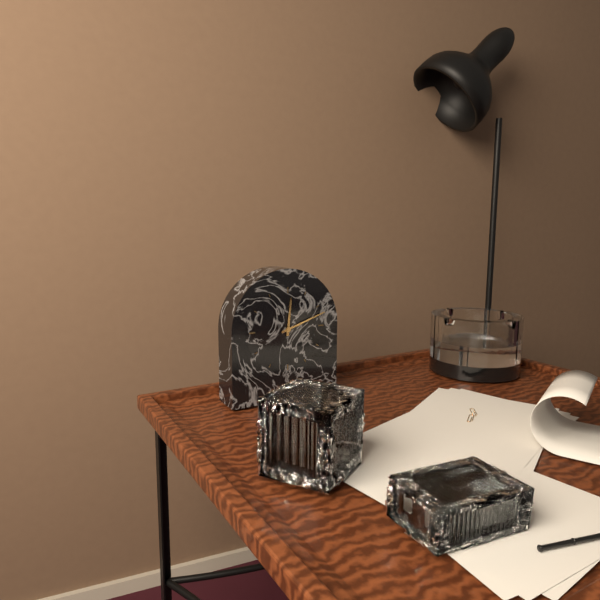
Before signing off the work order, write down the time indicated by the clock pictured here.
12:12
